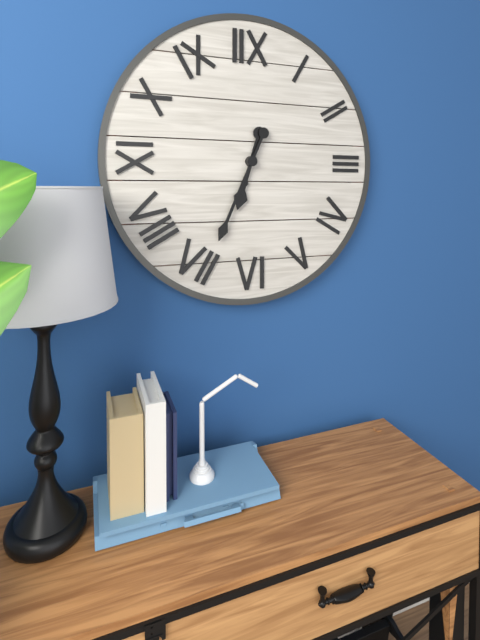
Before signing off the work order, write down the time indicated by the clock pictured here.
6:34
